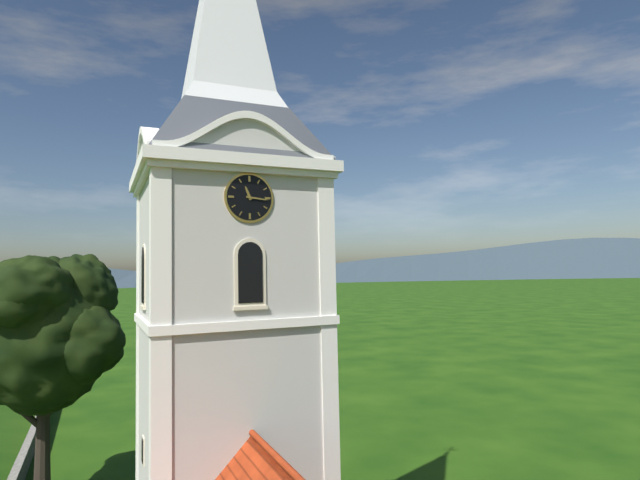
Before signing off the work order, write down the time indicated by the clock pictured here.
11:16
